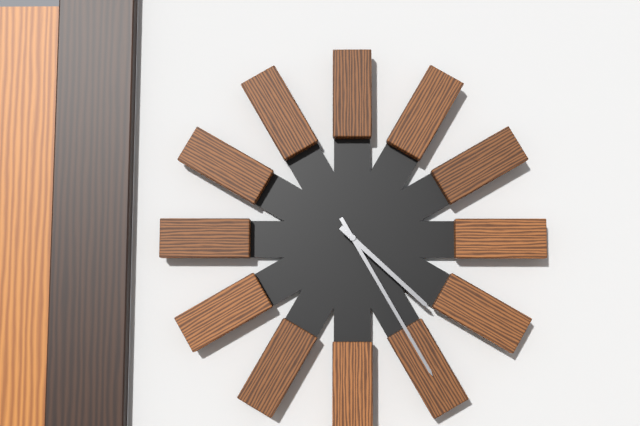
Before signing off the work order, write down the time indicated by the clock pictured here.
4:25
